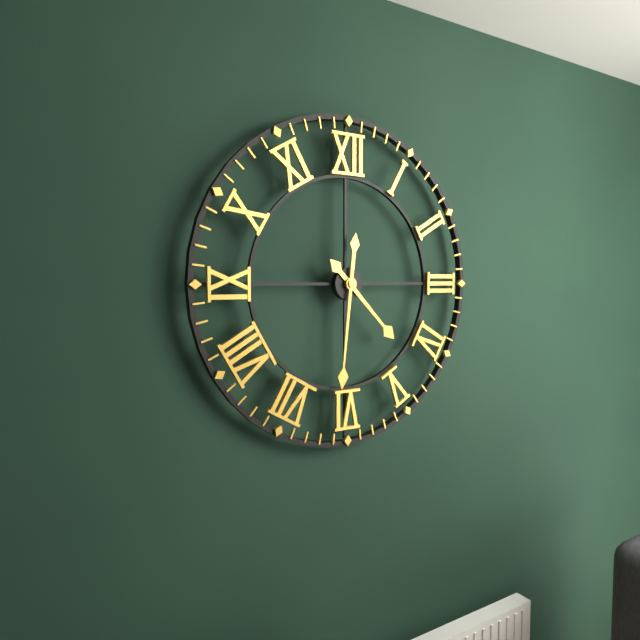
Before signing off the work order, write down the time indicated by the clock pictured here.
4:31
